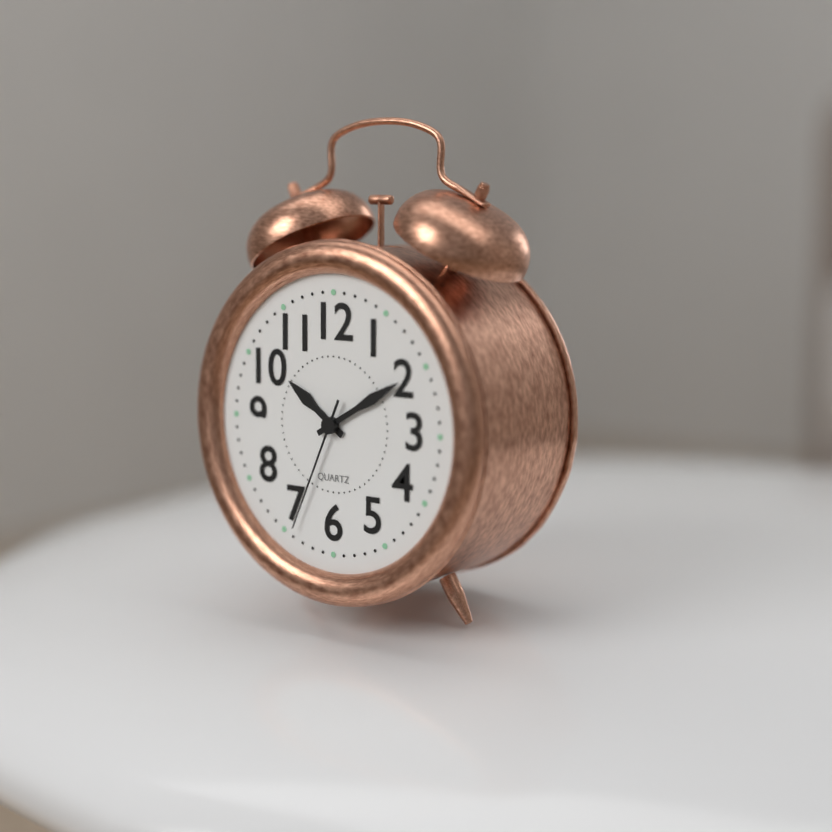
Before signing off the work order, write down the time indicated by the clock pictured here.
10:10:34
